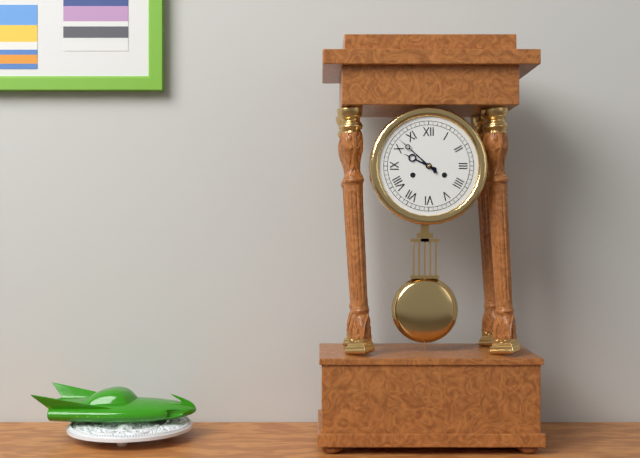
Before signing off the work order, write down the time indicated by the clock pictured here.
9:52
